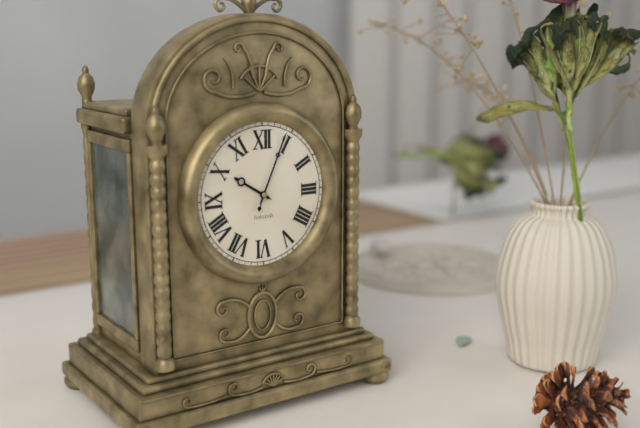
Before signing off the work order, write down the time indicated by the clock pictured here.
10:04:04
